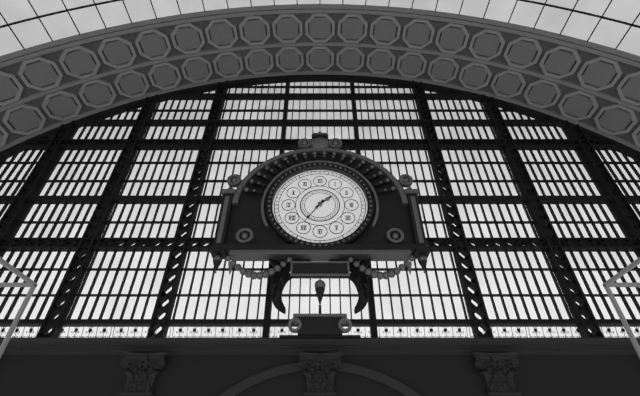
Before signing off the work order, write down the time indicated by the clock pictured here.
1:36
